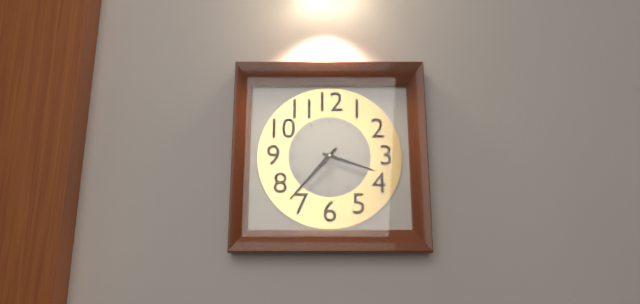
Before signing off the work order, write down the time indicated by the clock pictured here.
3:37
